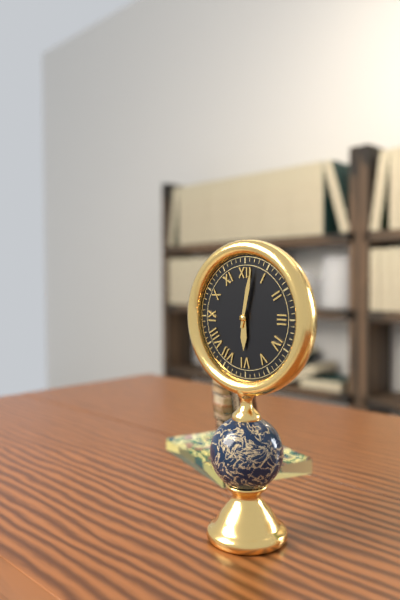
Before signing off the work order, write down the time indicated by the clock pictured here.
6:02
